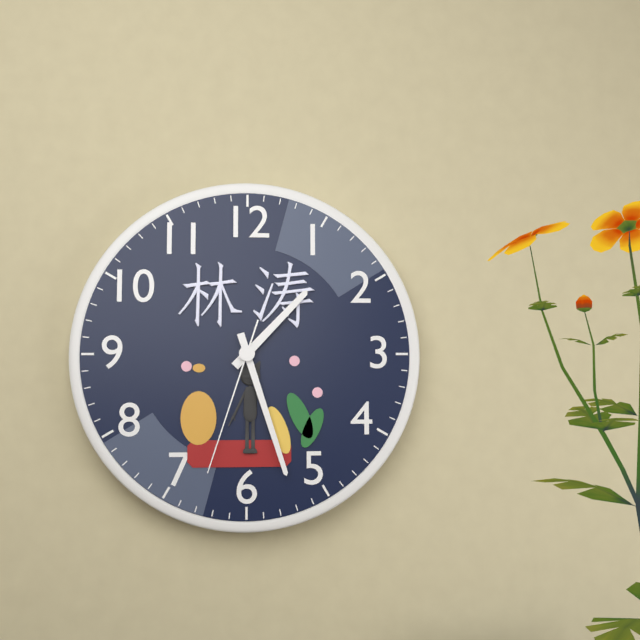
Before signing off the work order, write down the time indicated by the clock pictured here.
1:27:33
